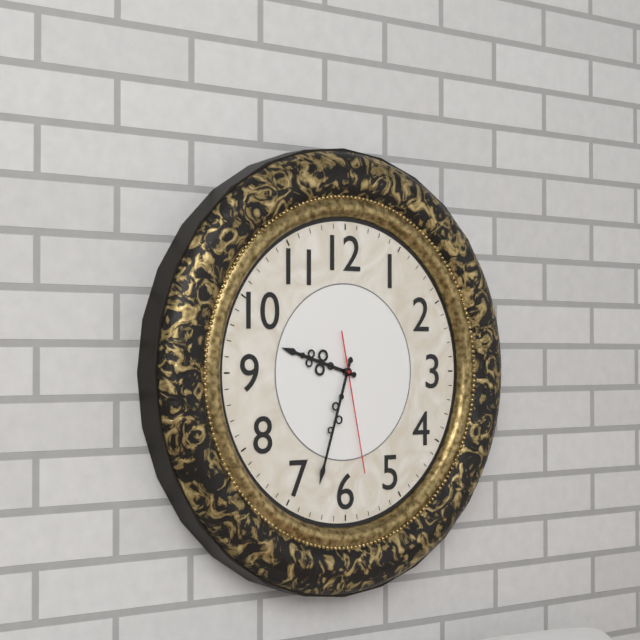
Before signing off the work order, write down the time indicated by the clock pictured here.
9:33:28
